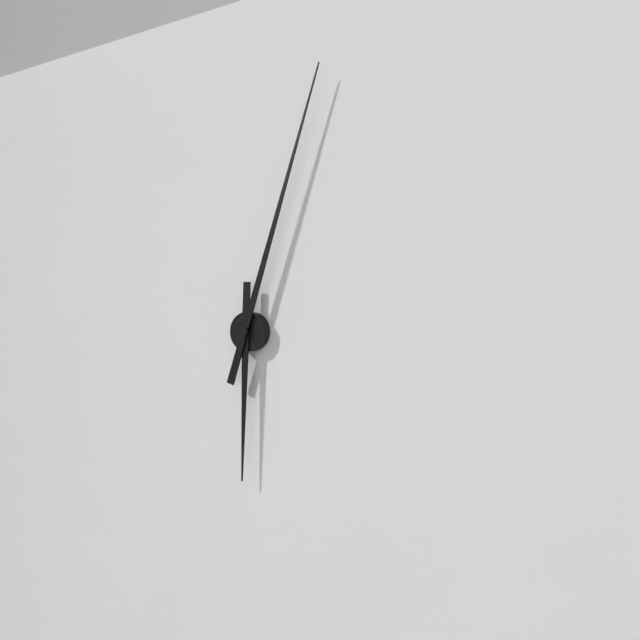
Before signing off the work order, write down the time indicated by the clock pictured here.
6:03
